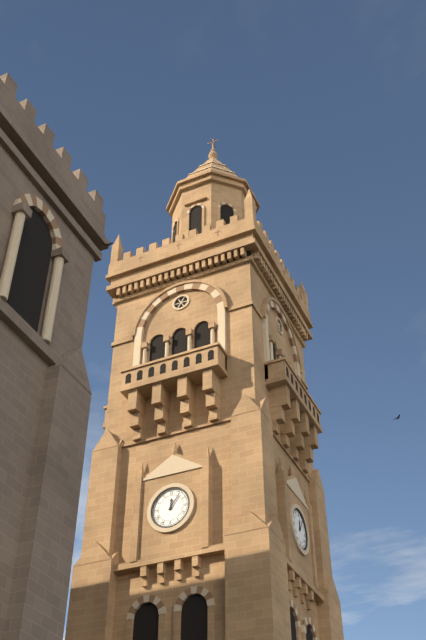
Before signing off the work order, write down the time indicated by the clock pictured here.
12:06
